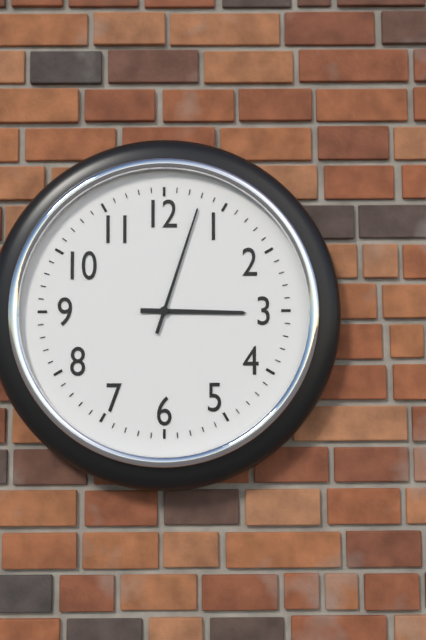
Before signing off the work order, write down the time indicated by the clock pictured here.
3:03
